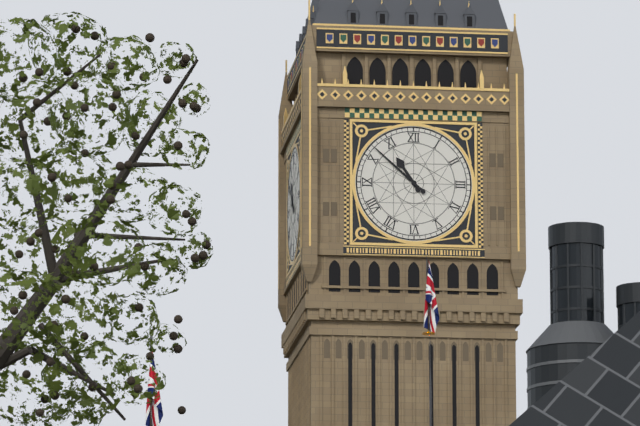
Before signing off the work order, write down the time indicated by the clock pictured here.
10:52
